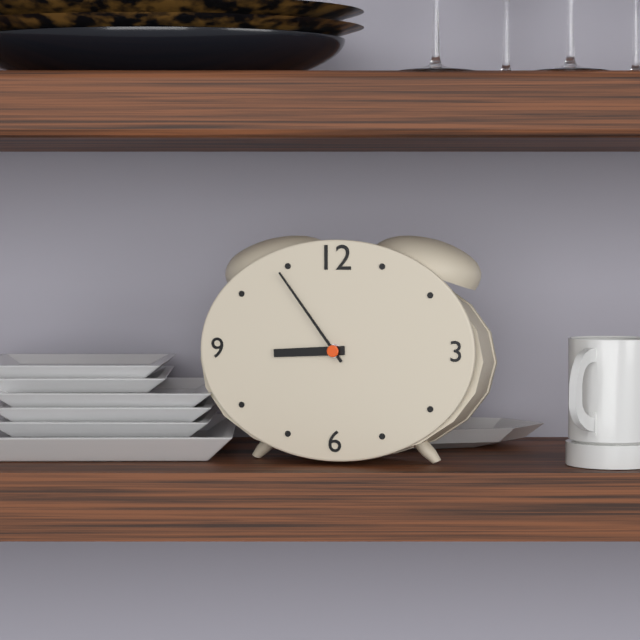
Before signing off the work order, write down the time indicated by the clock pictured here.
8:54
